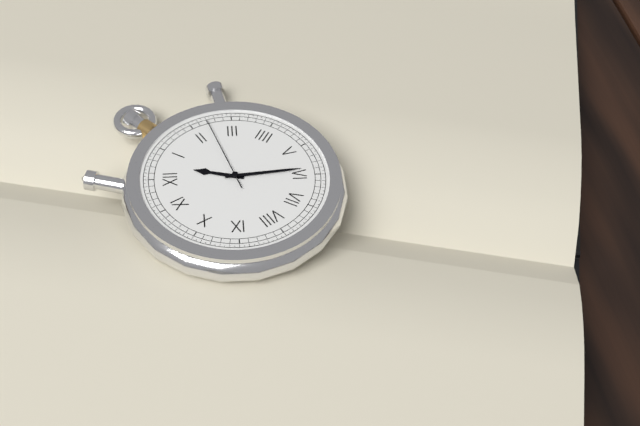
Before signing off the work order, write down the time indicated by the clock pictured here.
12:29:12
